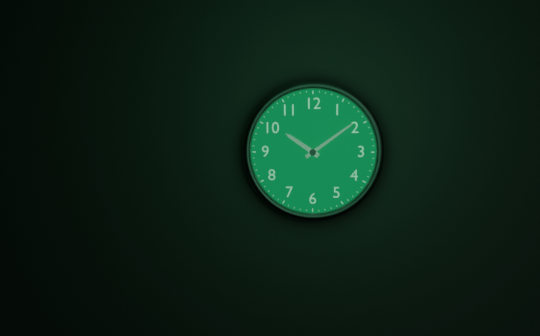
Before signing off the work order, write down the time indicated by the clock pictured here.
10:09
